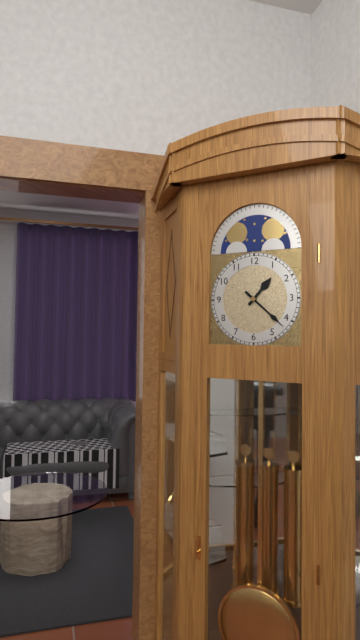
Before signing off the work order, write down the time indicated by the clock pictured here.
1:22
